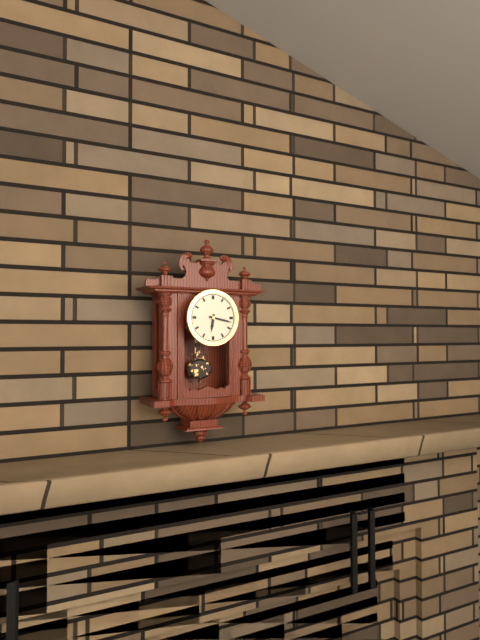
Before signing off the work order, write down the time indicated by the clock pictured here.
6:17
